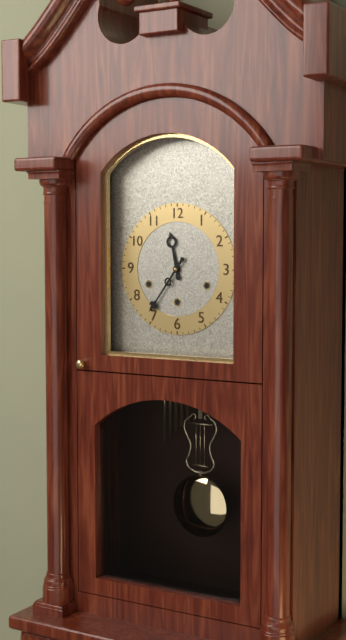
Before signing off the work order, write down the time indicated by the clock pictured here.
11:36
